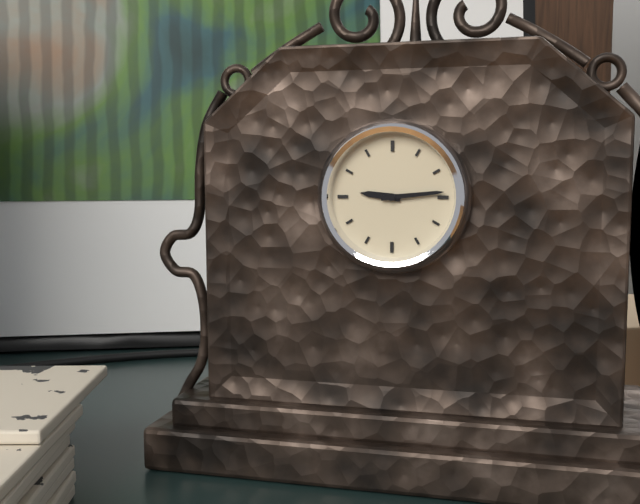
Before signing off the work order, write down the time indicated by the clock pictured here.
9:14
